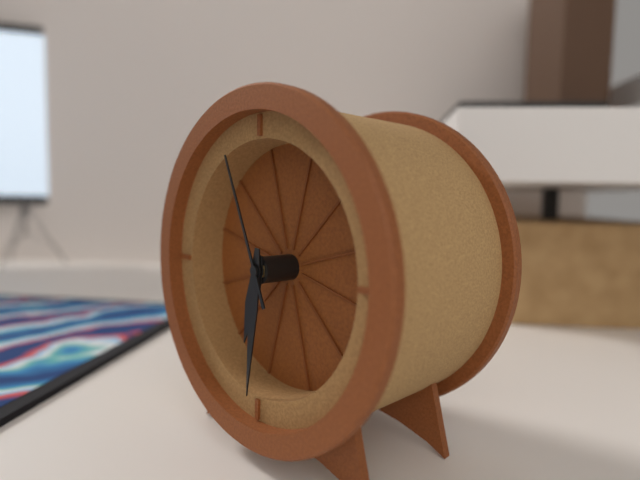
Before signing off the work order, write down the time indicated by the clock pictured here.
6:31:56
